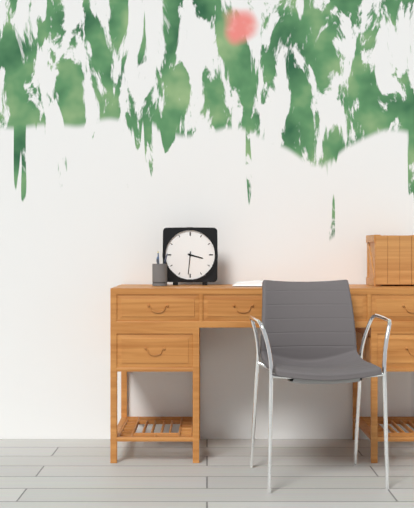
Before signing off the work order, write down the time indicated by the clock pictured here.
3:31
